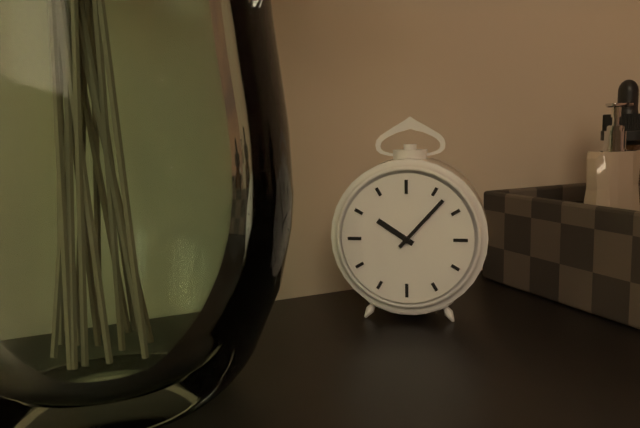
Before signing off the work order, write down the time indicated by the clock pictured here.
10:07
